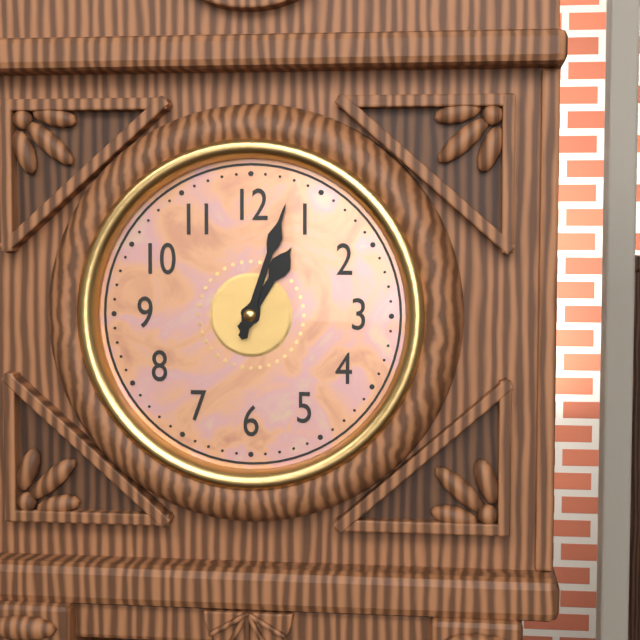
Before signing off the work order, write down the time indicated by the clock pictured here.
1:03
